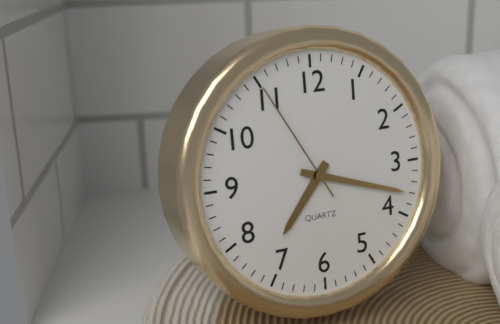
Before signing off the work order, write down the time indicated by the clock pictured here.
7:18:55
